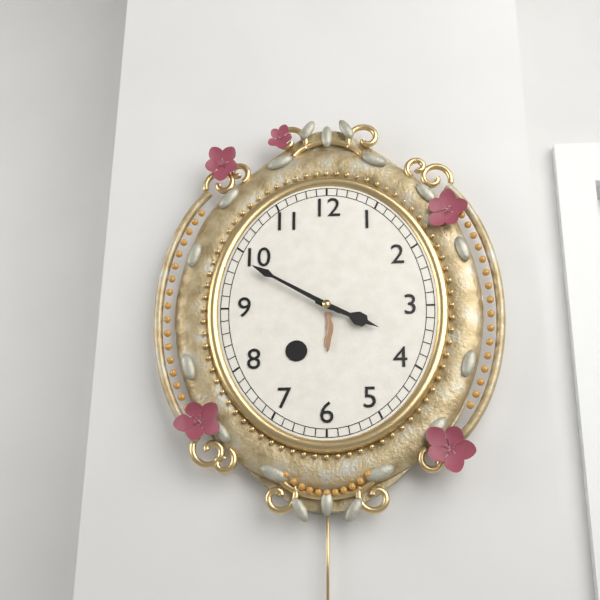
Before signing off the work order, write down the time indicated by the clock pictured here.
3:50
